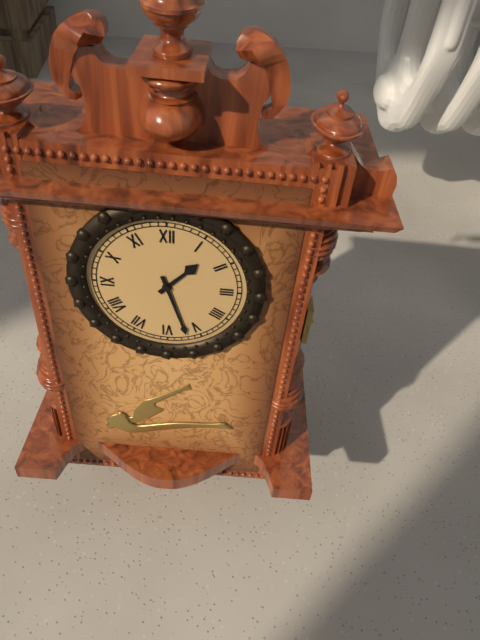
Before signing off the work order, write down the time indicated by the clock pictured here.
1:27
